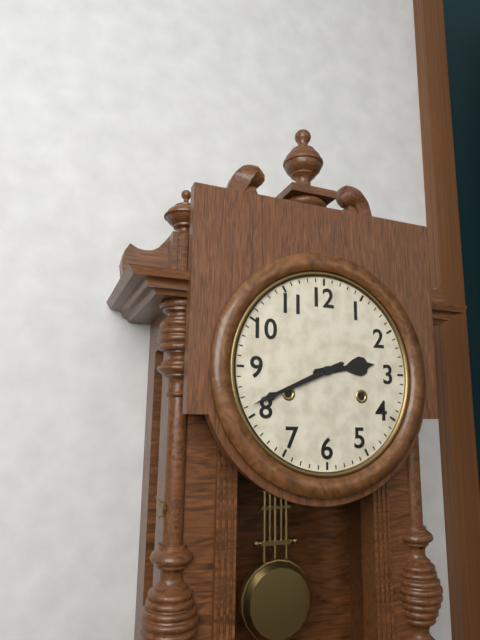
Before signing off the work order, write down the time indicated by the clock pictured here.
2:41
